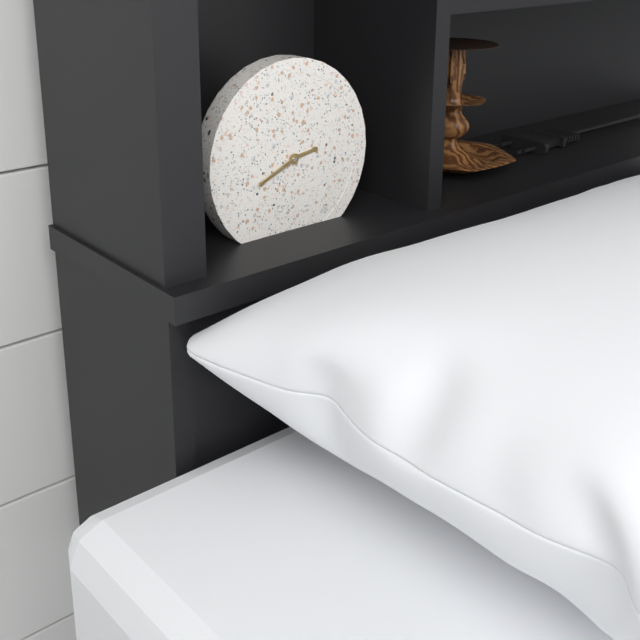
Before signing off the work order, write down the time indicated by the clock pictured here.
2:41
